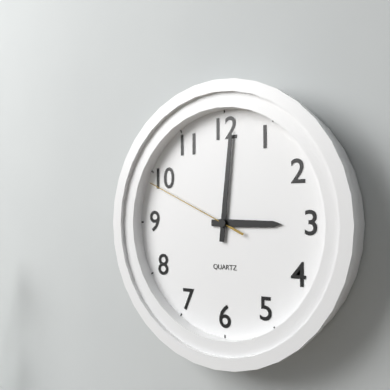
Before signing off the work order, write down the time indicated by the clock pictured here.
3:01:49
